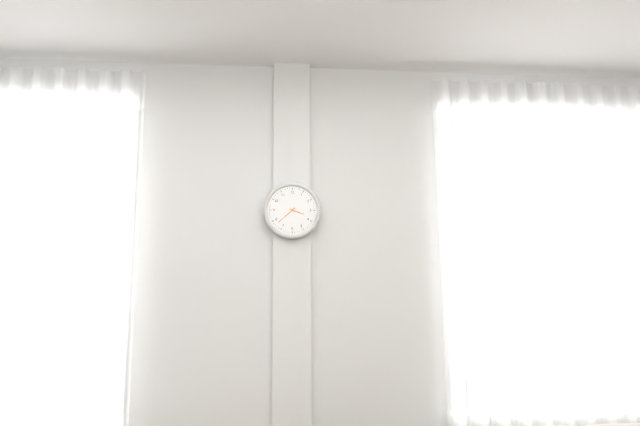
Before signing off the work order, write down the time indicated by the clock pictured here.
3:38
